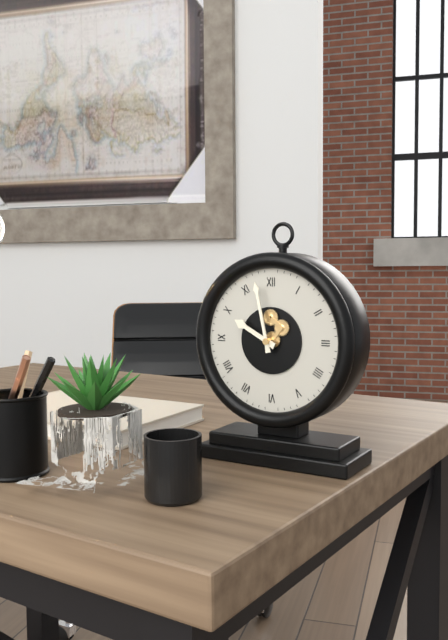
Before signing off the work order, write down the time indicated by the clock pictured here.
9:58
